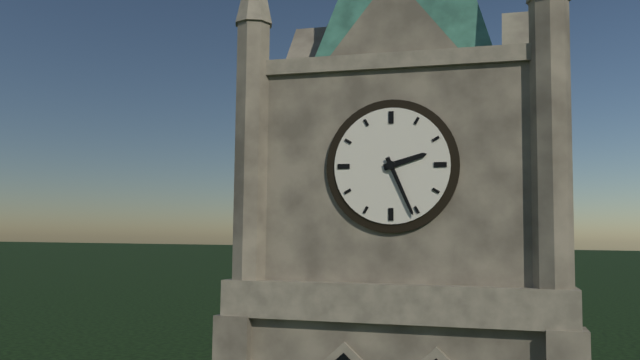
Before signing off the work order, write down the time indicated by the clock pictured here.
2:26
